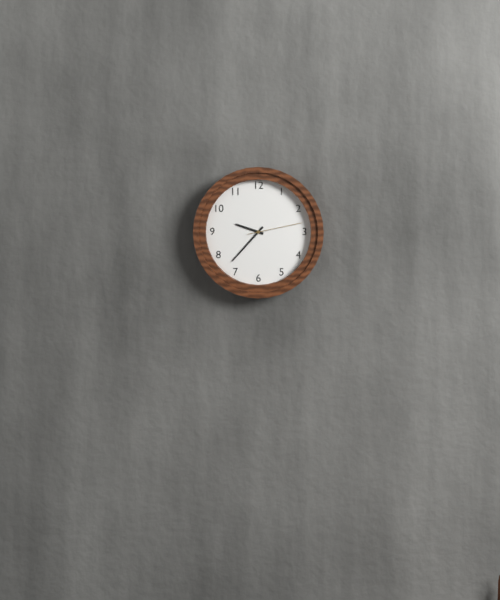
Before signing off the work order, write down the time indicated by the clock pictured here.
9:37:13
